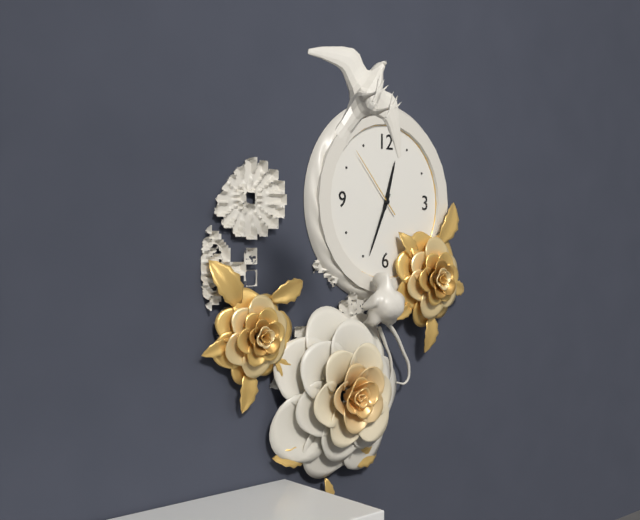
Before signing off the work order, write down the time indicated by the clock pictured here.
12:34:53
